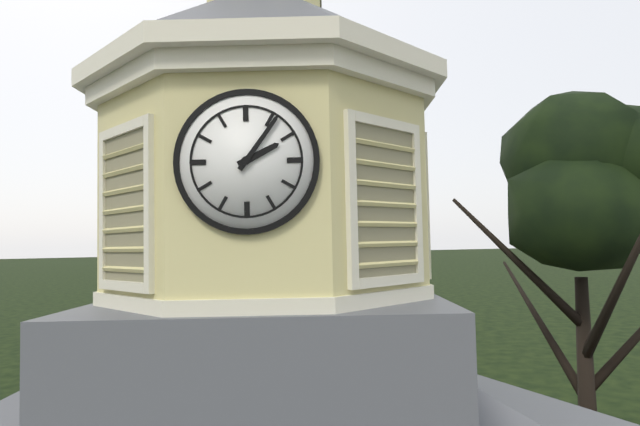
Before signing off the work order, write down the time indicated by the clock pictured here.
2:06
